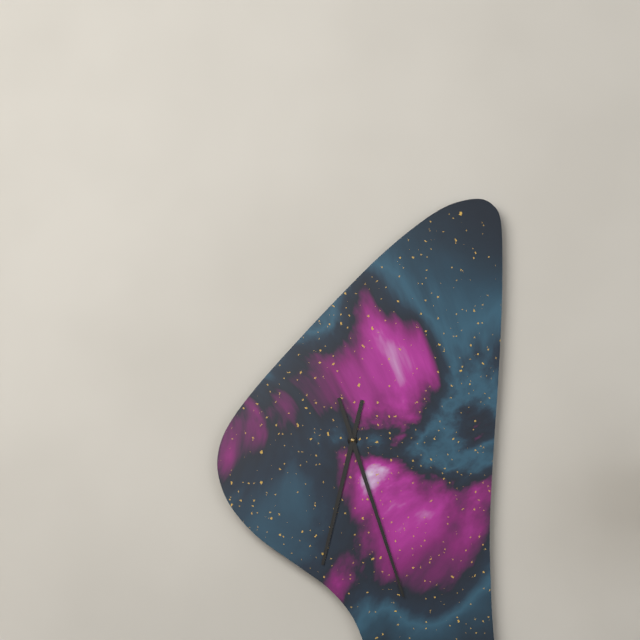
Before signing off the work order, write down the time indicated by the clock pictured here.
6:27
